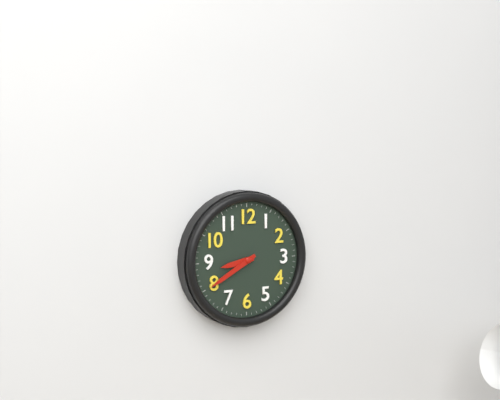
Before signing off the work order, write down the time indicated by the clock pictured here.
8:40
